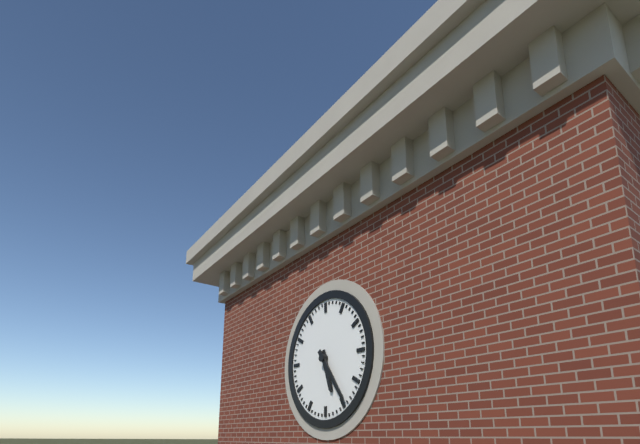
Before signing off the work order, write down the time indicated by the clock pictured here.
5:24
